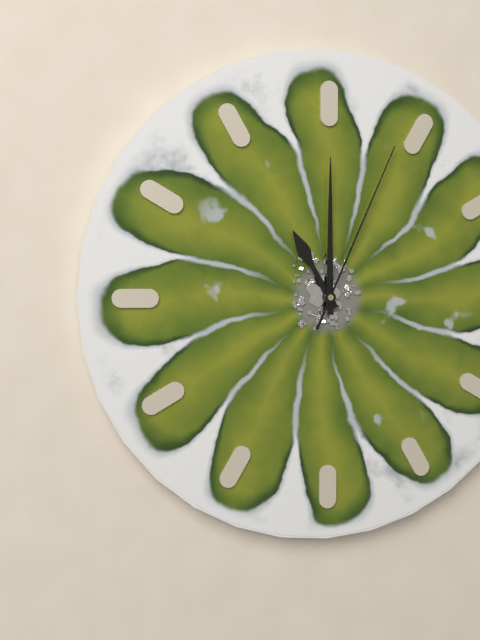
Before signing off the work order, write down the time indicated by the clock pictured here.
11:00:04
